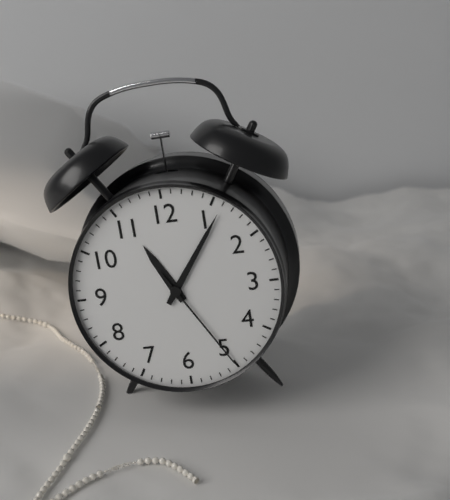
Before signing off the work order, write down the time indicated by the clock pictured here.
11:06:25
